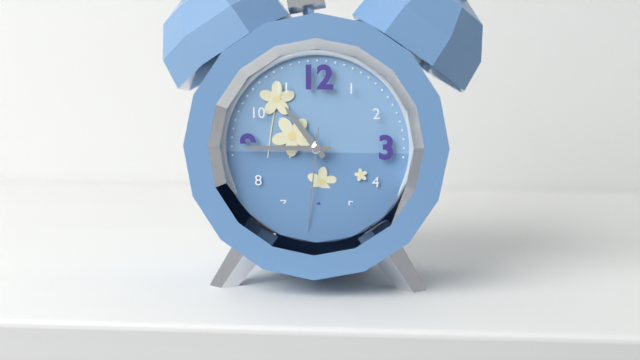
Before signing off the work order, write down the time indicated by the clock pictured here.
10:45:31
